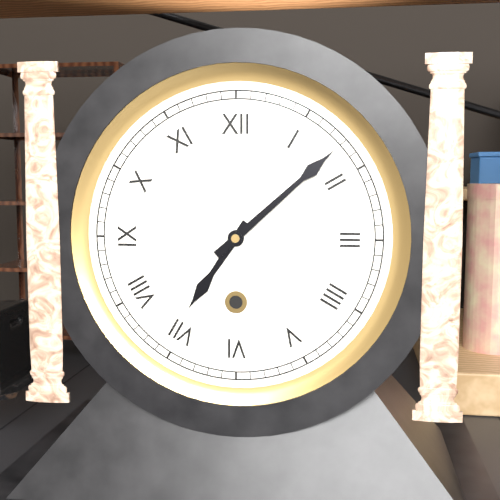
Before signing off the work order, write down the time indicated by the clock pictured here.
7:08
